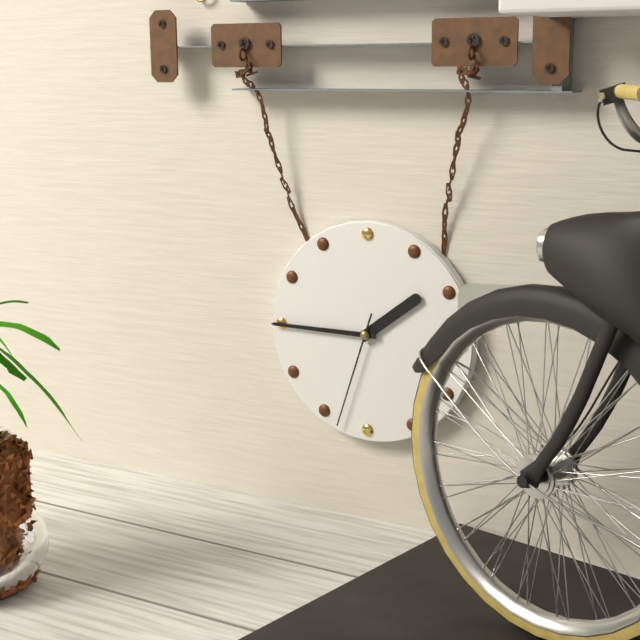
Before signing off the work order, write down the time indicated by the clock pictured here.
1:45:33
